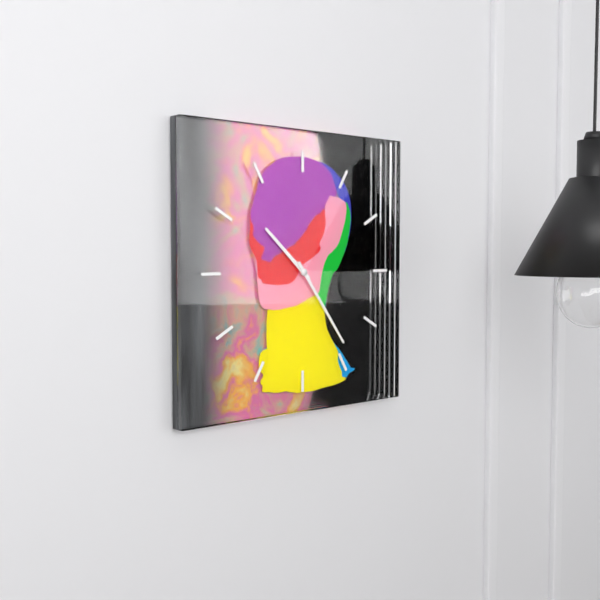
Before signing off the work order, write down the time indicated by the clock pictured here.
10:24
